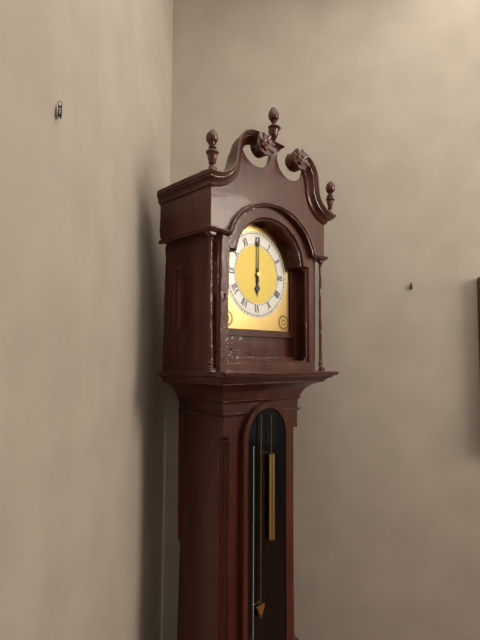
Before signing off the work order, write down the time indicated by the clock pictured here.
6:00
